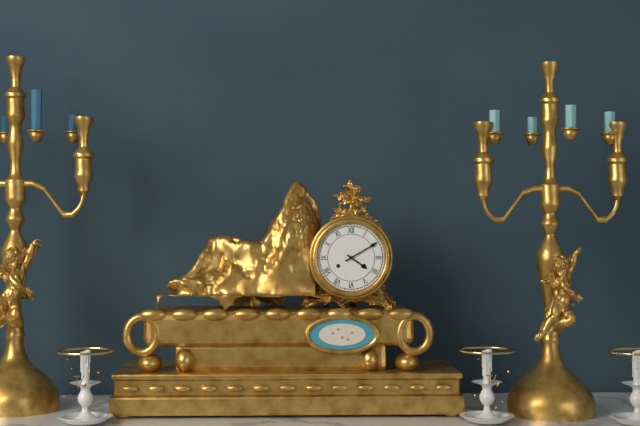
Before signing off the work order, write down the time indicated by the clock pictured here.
4:10
